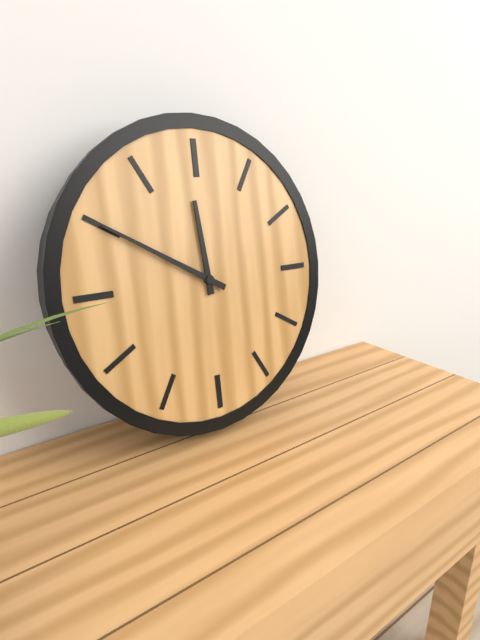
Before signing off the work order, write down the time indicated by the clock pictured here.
11:50
